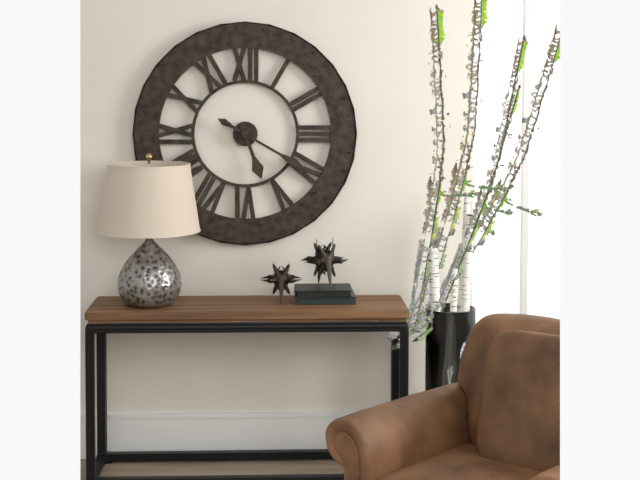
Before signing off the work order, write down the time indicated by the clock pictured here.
5:20
